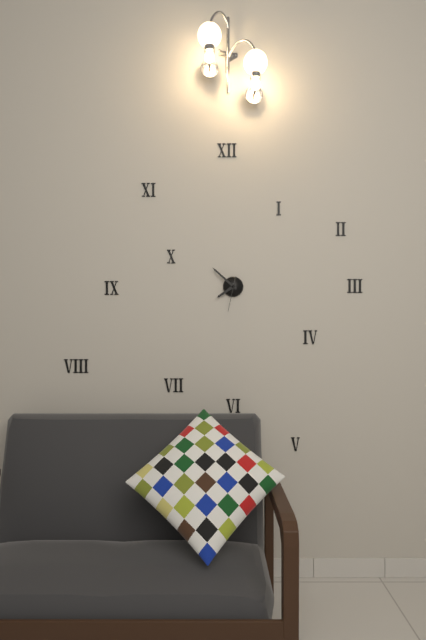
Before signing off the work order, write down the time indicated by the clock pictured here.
7:52
